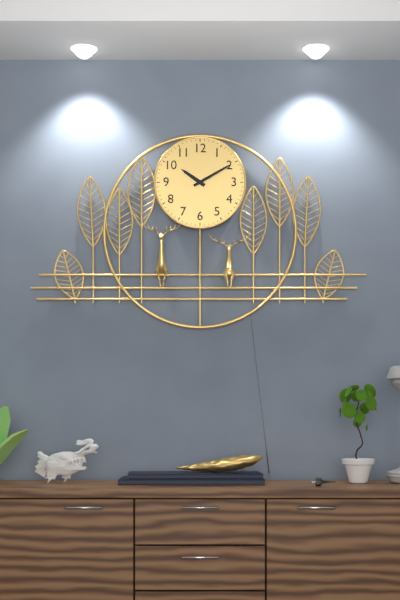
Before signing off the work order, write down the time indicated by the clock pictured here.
10:10
